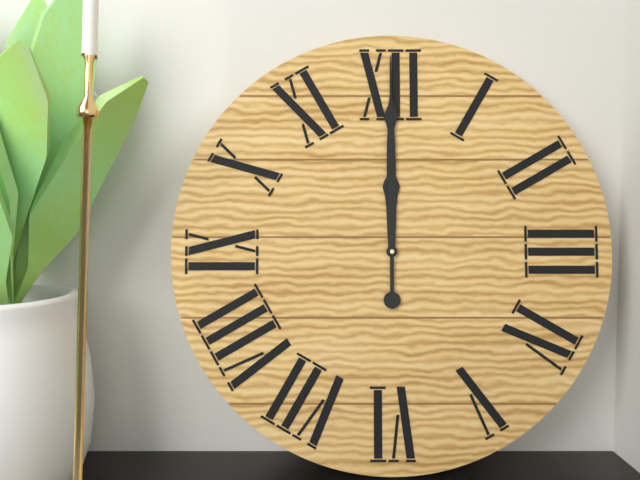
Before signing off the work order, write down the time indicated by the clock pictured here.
12:00
